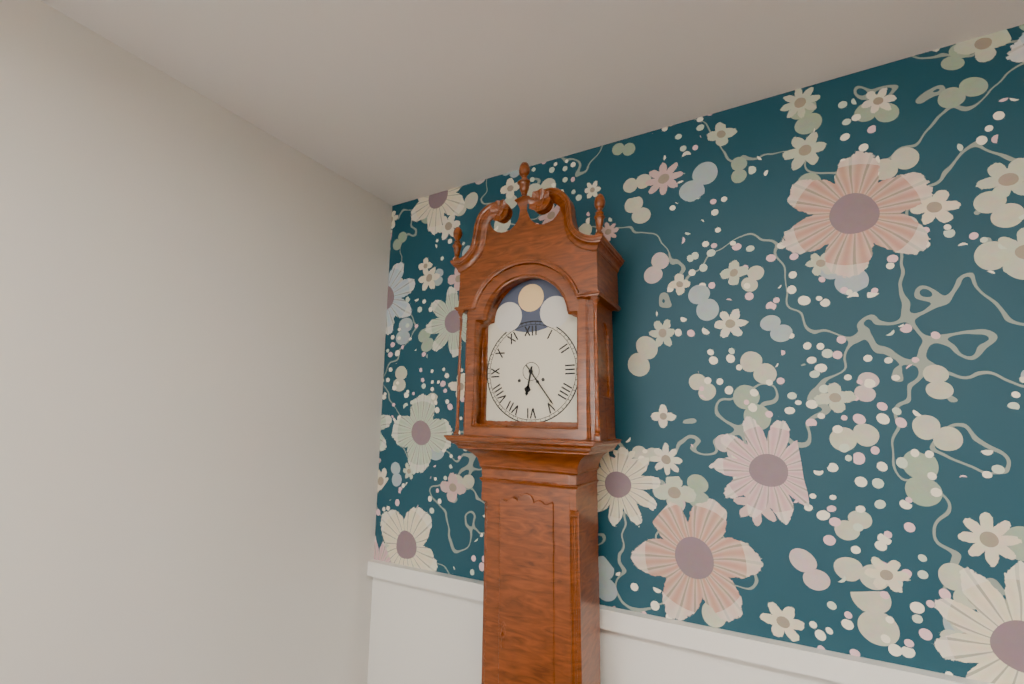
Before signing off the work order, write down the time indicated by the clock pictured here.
6:24
